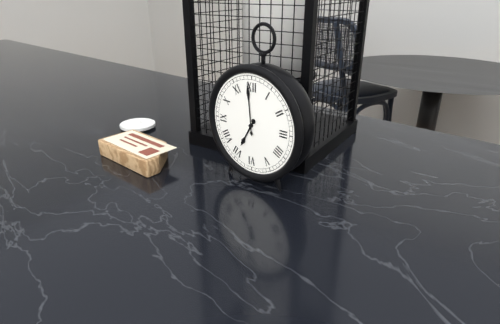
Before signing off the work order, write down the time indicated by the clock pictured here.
6:59
